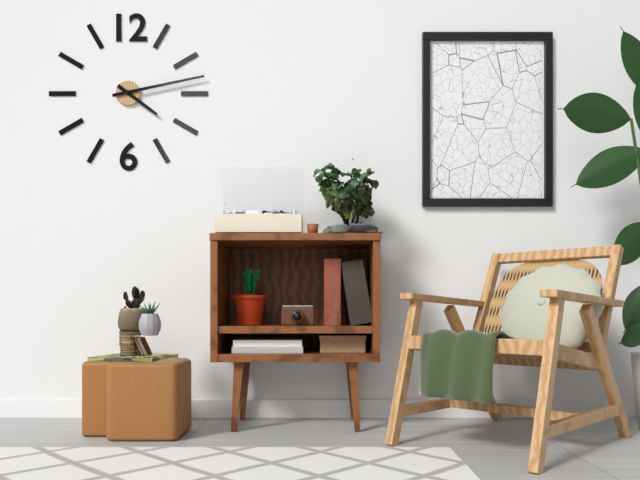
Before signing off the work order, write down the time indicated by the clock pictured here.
4:13
